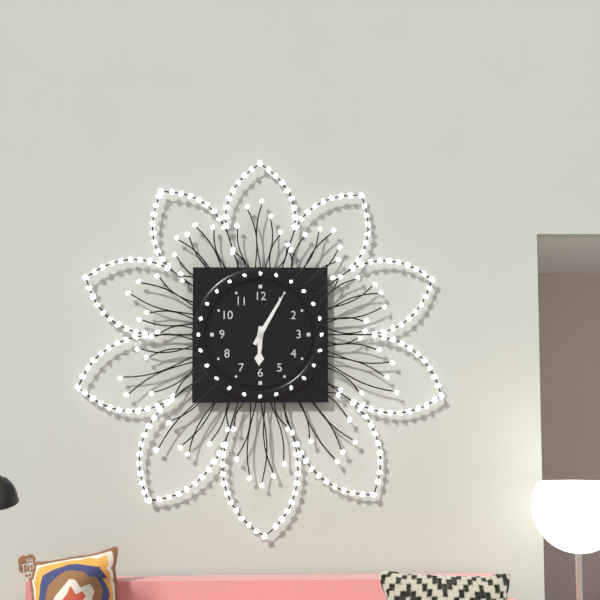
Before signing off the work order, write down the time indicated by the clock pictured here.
6:05
